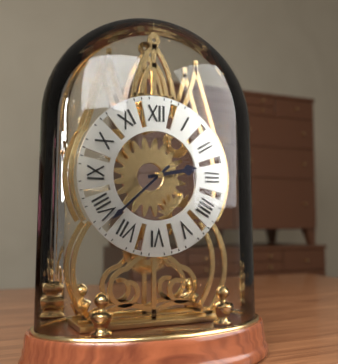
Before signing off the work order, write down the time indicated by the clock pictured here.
2:38
